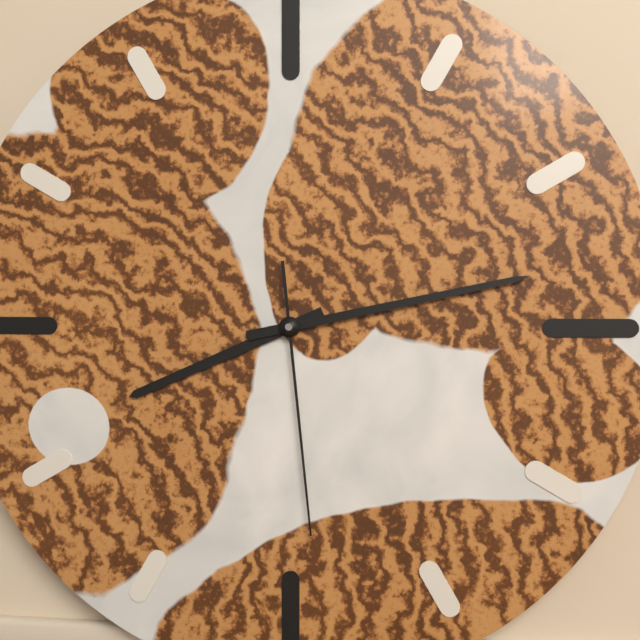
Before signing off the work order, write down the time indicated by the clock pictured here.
8:13:29
